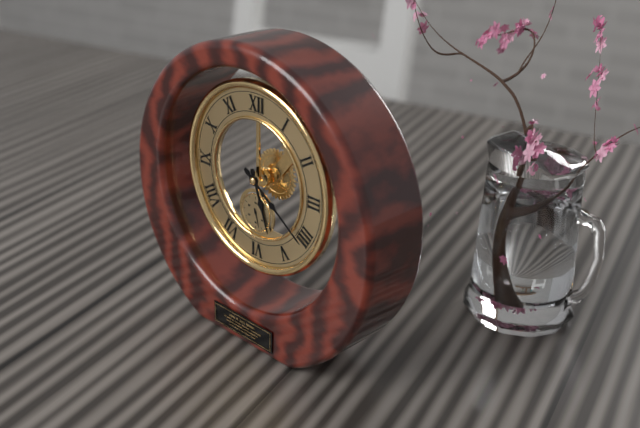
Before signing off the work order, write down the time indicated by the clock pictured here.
5:21
